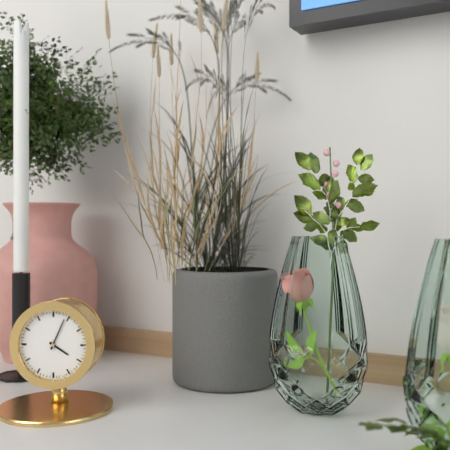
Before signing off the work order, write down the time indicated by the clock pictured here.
4:04
